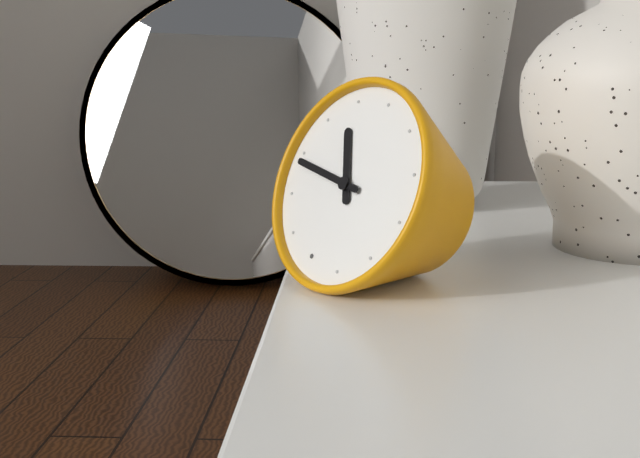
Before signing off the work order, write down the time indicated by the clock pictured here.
10:44
